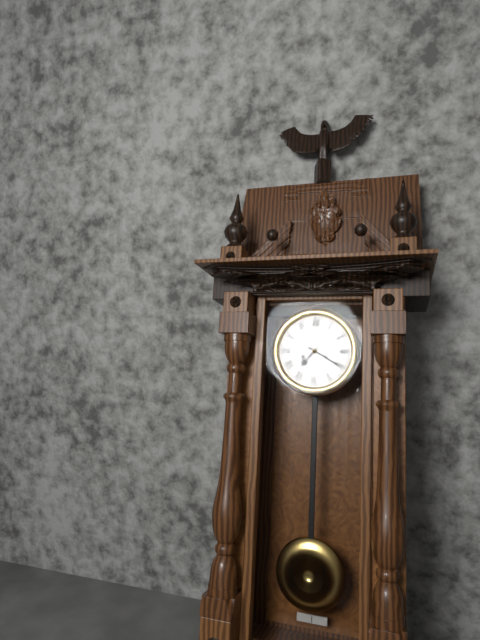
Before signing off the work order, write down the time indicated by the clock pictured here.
7:20
